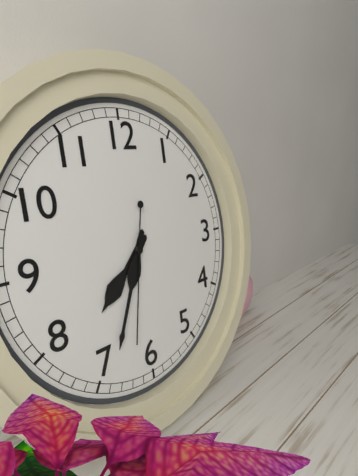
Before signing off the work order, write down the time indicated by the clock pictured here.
7:34:32
